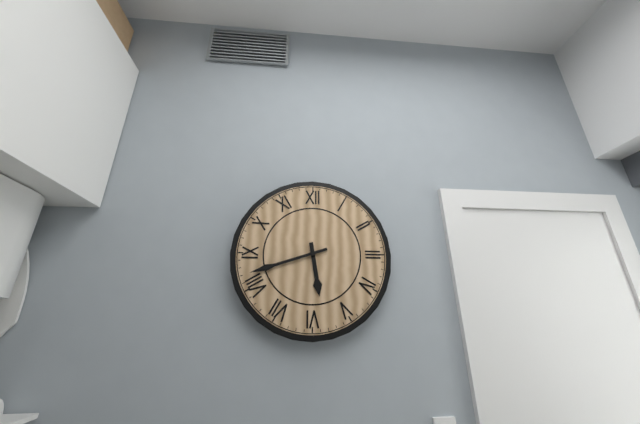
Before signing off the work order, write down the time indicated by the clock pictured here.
5:42
